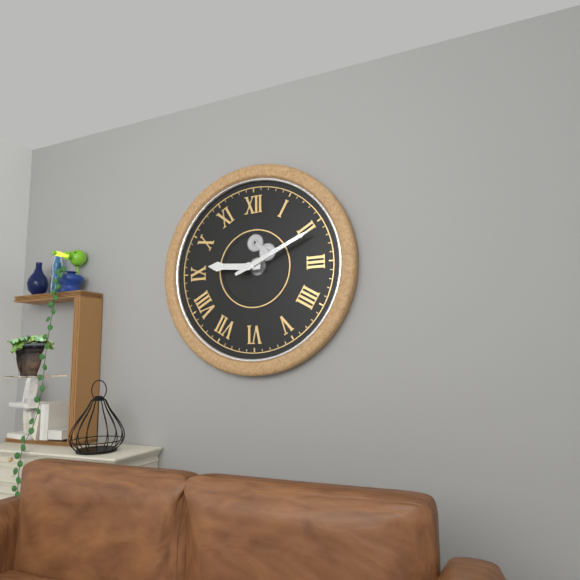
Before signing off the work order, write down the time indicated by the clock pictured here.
9:11
